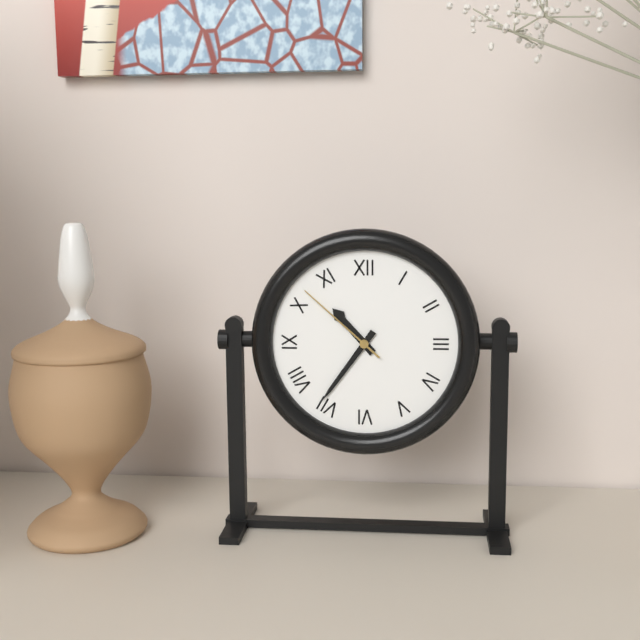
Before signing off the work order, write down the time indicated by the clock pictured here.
10:36:52
